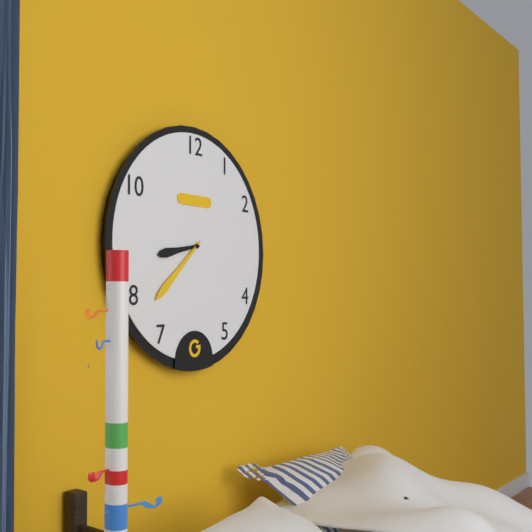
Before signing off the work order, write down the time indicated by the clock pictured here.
8:38
